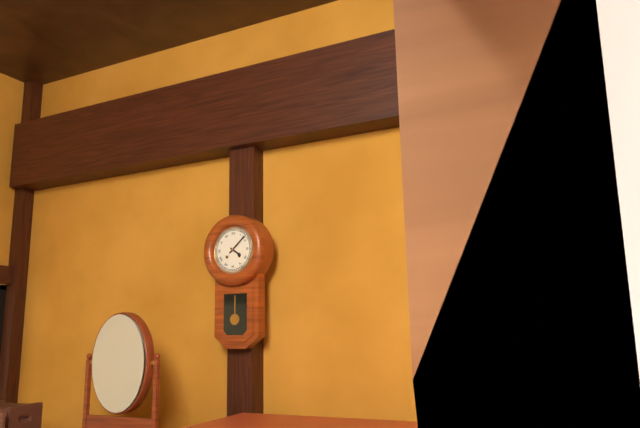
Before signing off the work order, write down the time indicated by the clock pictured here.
4:08
